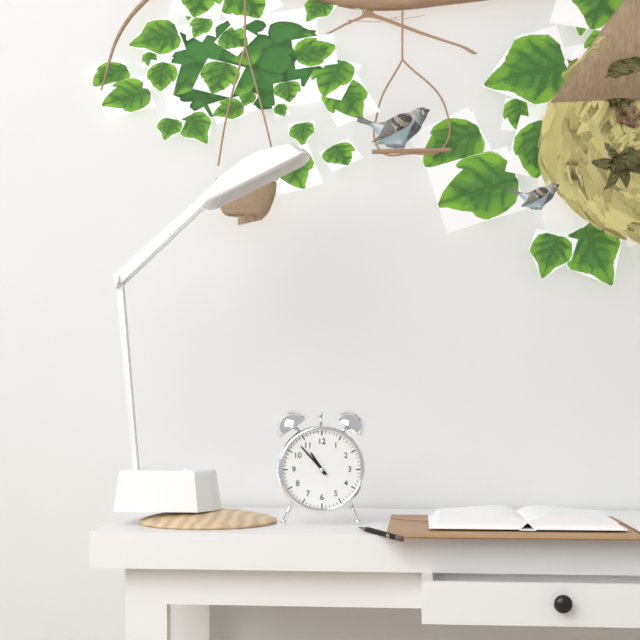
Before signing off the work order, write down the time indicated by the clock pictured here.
10:53
